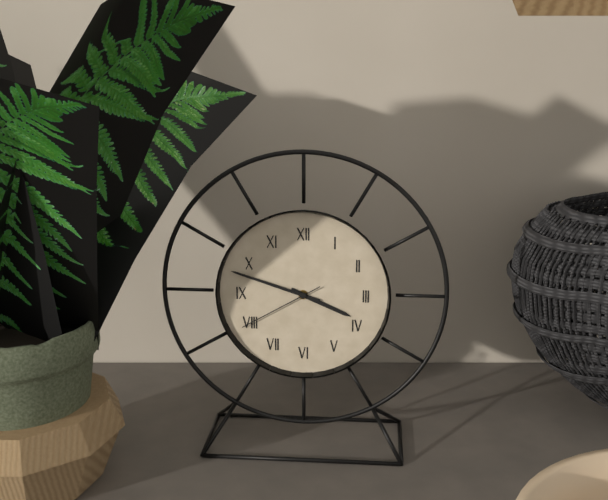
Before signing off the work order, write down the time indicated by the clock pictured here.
3:48:40
